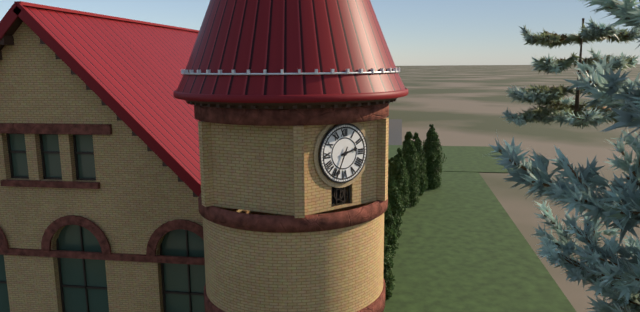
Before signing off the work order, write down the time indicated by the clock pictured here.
2:34
